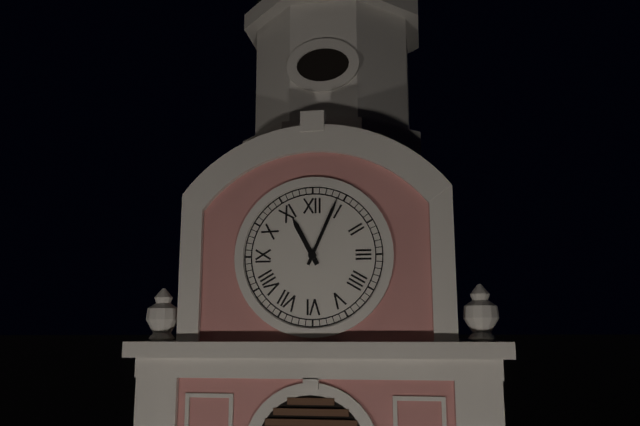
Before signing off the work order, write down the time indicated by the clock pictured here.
11:04
